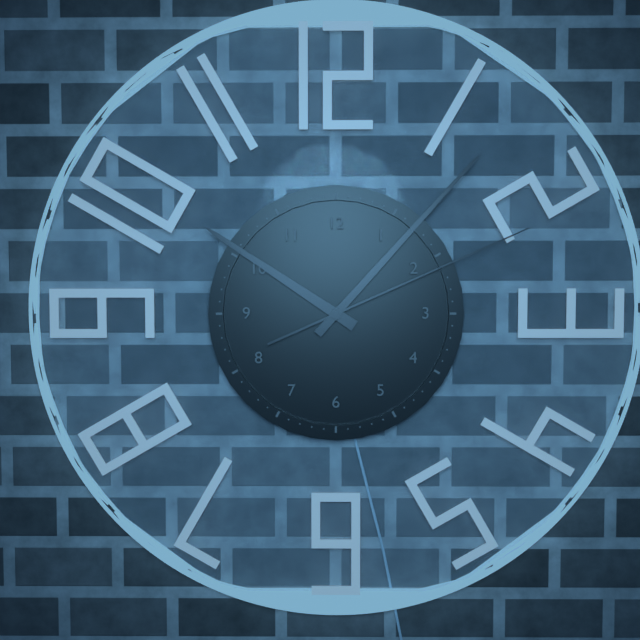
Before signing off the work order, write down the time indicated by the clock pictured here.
10:07:11
